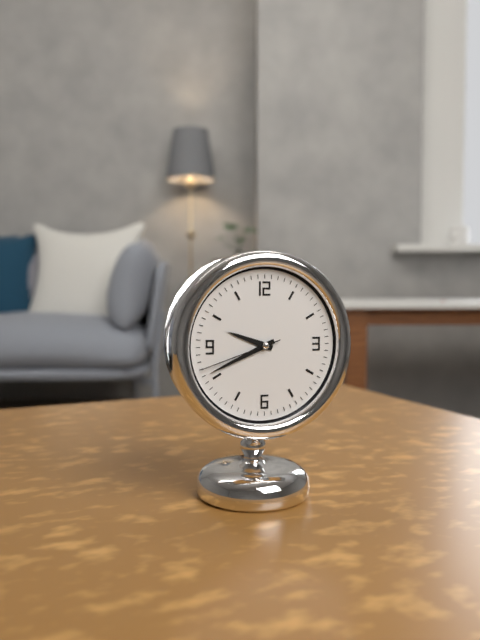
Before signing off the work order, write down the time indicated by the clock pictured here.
9:41:42
